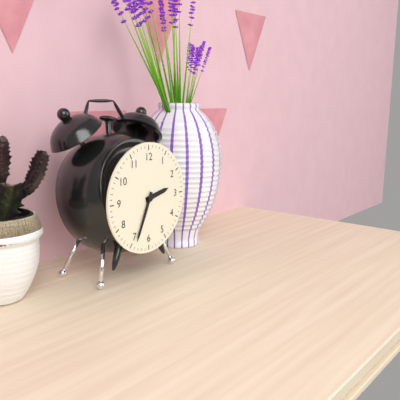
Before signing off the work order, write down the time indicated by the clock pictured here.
2:34
